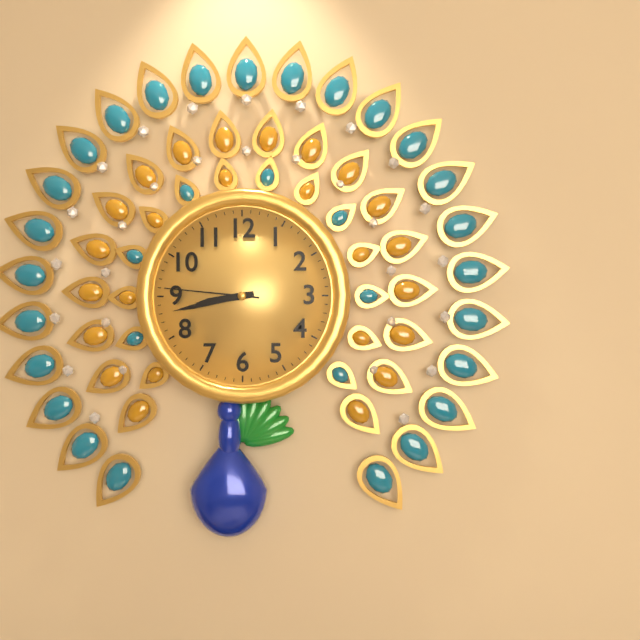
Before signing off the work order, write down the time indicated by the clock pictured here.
8:43:46
